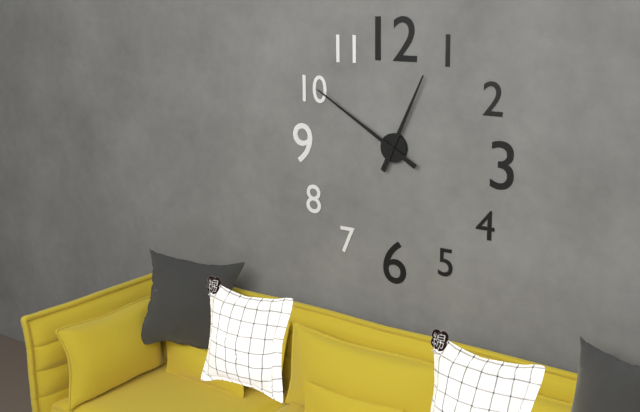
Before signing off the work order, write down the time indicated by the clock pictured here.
12:50
